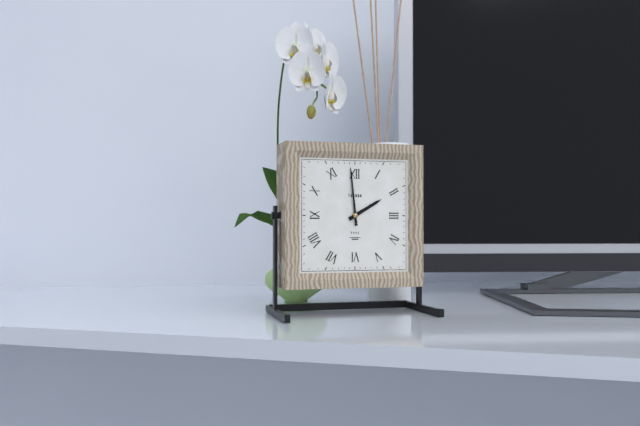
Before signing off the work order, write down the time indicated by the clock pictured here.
1:59
